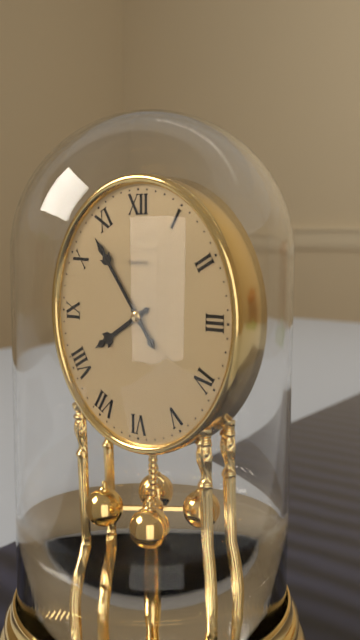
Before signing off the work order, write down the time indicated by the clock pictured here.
7:54
